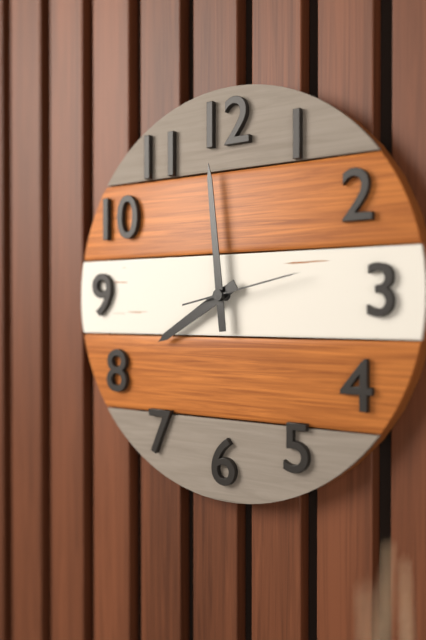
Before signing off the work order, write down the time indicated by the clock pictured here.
7:59:13
